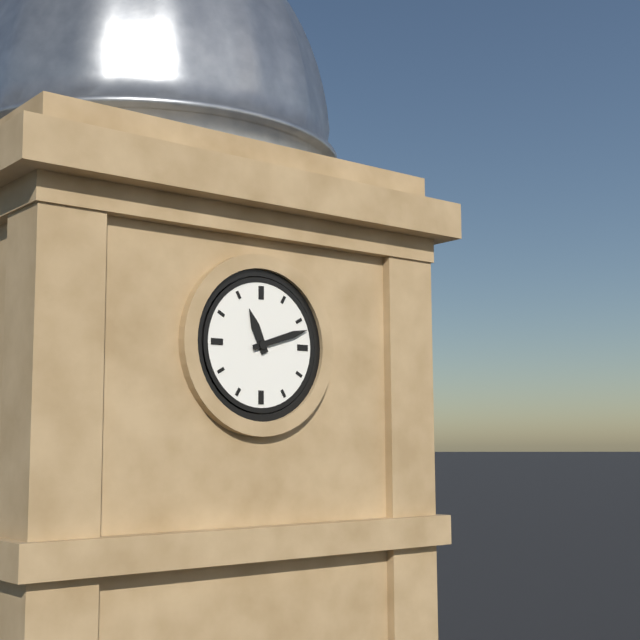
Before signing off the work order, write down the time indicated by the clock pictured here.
11:12
